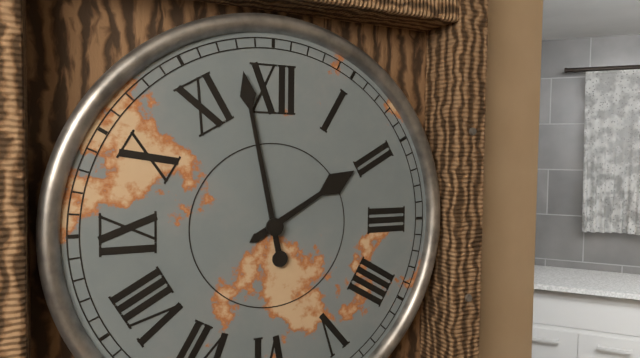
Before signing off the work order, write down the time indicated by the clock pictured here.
1:58
